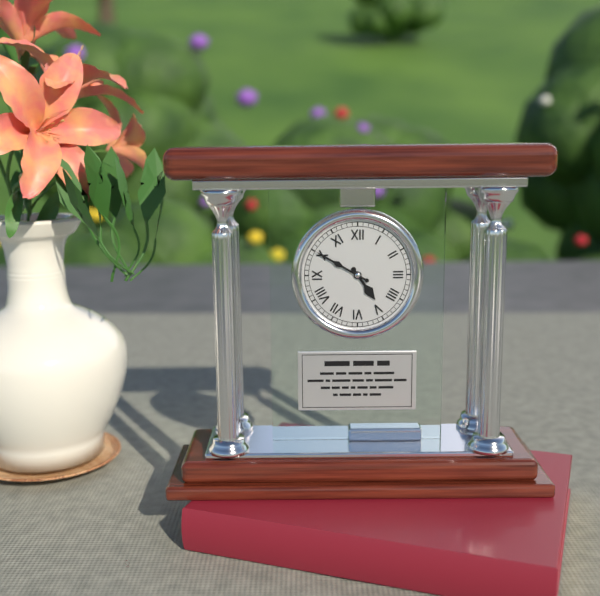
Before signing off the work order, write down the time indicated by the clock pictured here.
4:50
